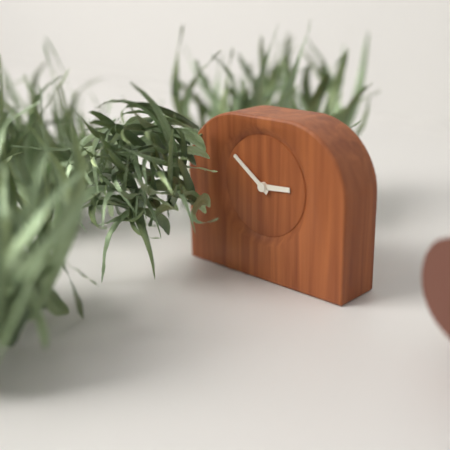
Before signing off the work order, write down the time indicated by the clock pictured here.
2:51
